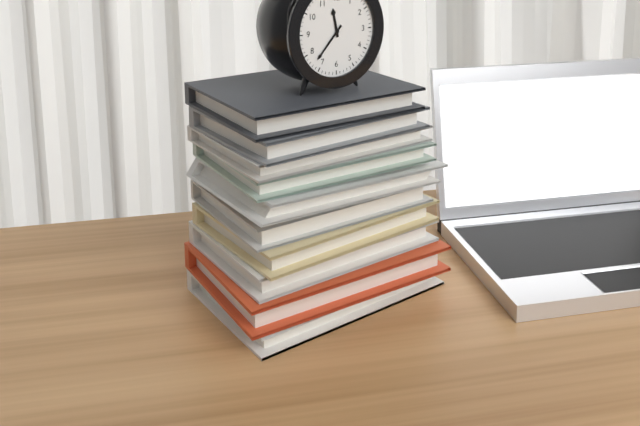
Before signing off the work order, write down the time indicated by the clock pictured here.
11:37
